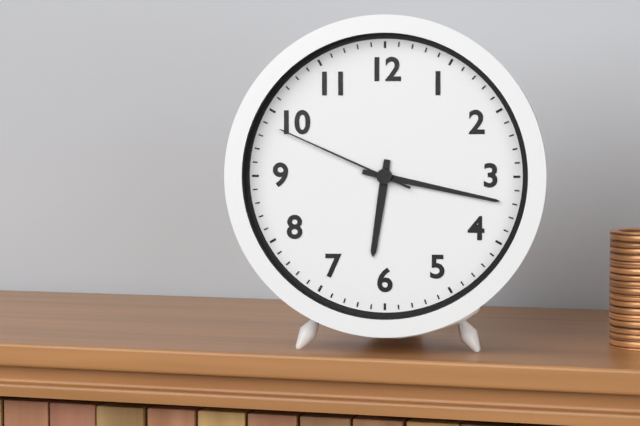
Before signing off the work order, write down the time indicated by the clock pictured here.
6:17:49
